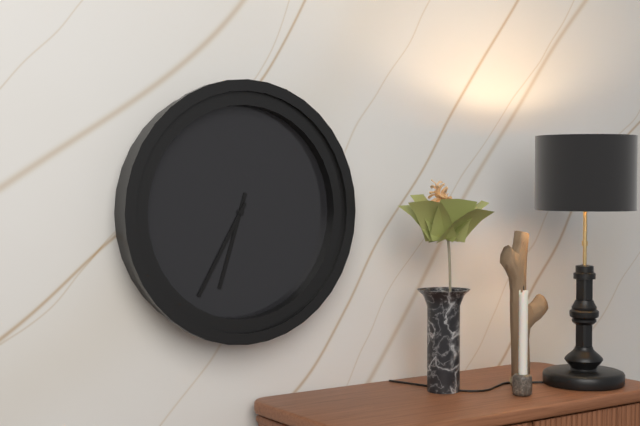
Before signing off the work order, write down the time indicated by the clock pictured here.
6:35
